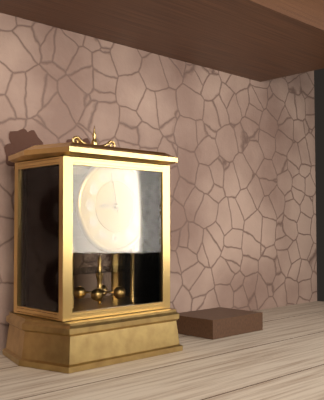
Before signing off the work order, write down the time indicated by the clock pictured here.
8:58
